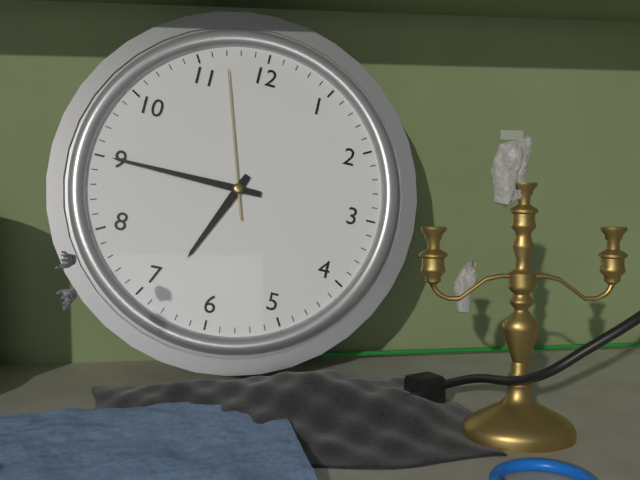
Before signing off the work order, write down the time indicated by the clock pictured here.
6:45:57
